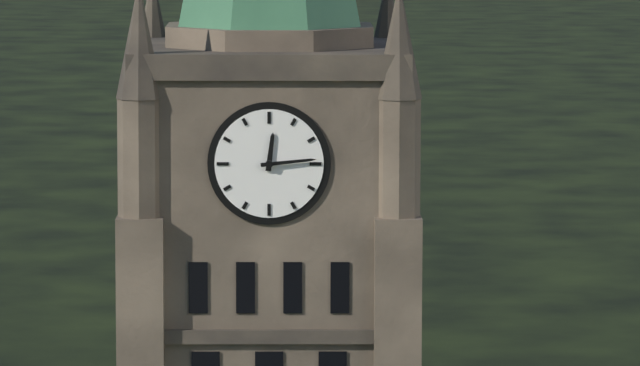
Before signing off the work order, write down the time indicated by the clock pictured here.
12:14
